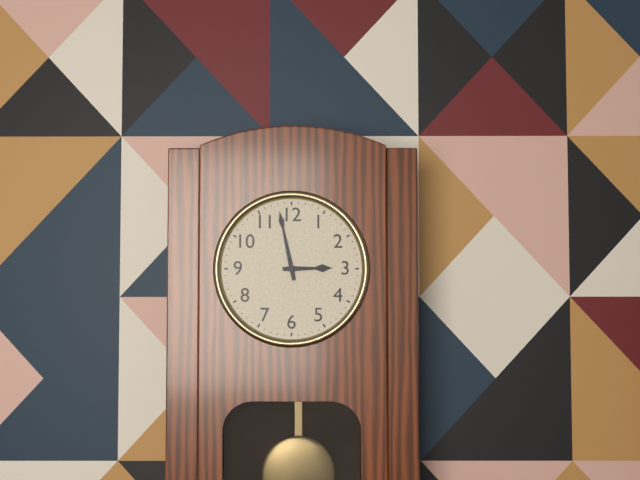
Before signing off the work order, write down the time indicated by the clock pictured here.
2:58
